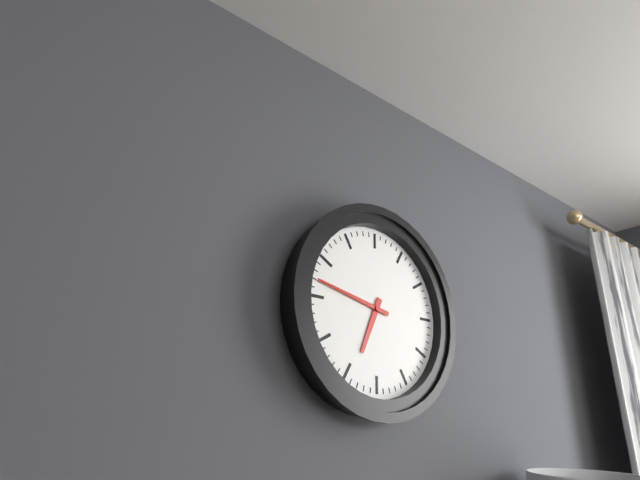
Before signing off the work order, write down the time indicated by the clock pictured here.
6:47
